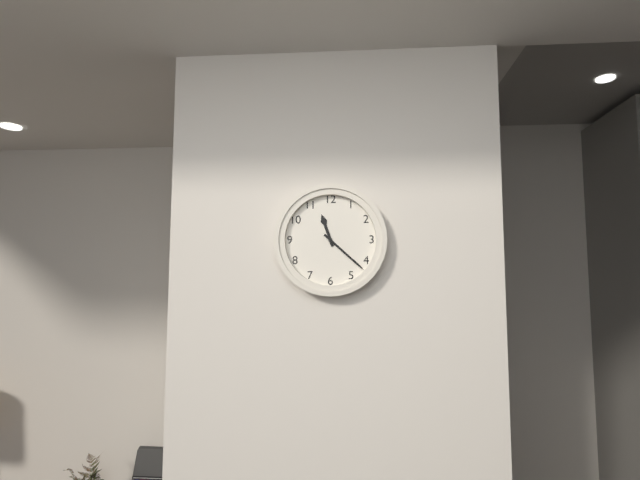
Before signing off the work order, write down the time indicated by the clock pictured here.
11:22
